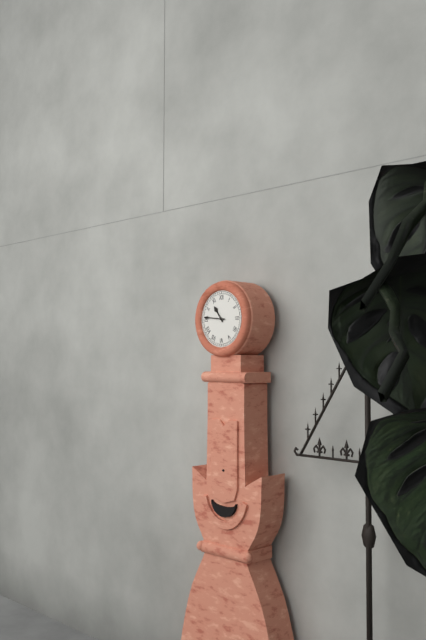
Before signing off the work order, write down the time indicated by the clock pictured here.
10:46
